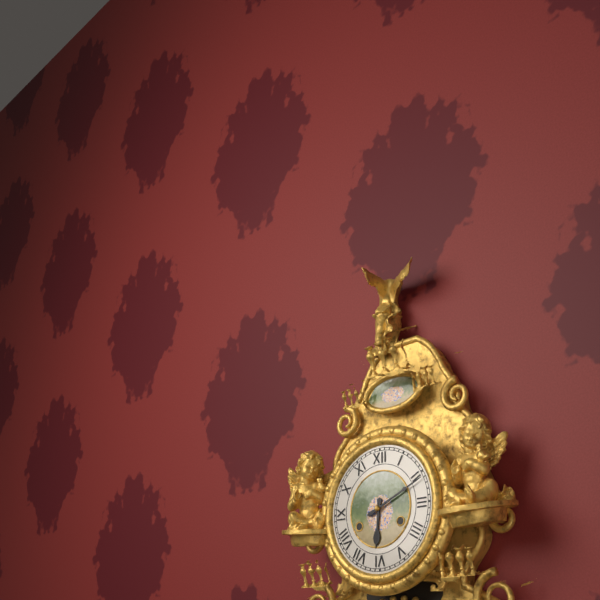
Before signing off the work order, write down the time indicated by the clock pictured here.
6:11
